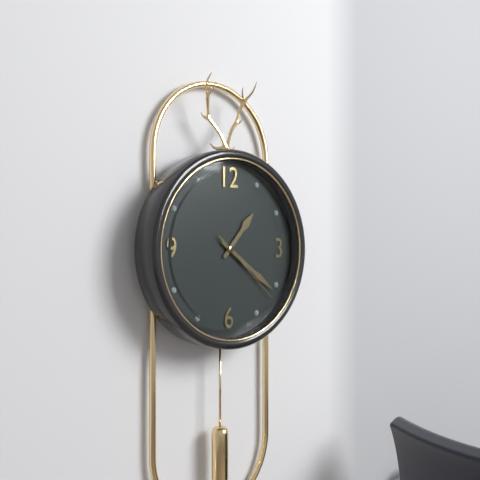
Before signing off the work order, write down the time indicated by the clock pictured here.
1:21:22
